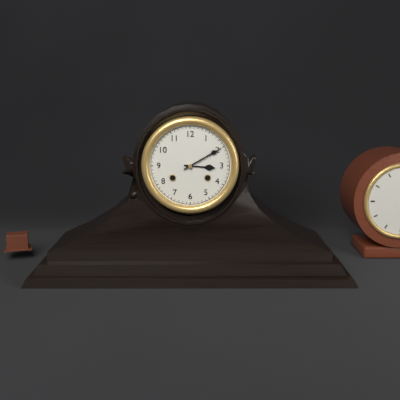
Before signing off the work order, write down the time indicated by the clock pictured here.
3:10
